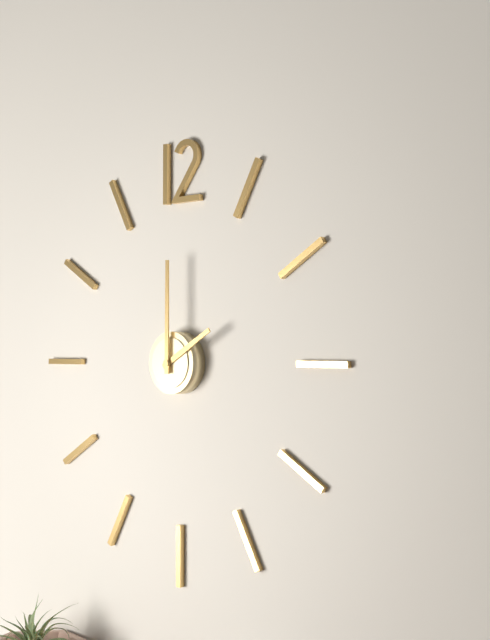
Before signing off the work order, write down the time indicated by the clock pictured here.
2:00
